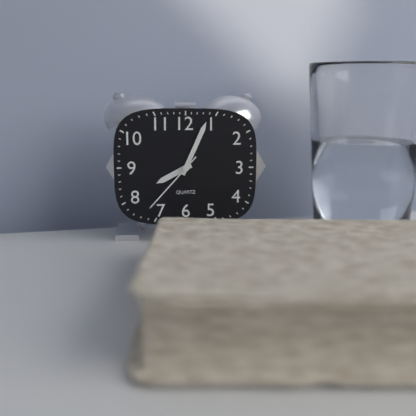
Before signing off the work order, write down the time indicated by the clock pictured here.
8:04:37
